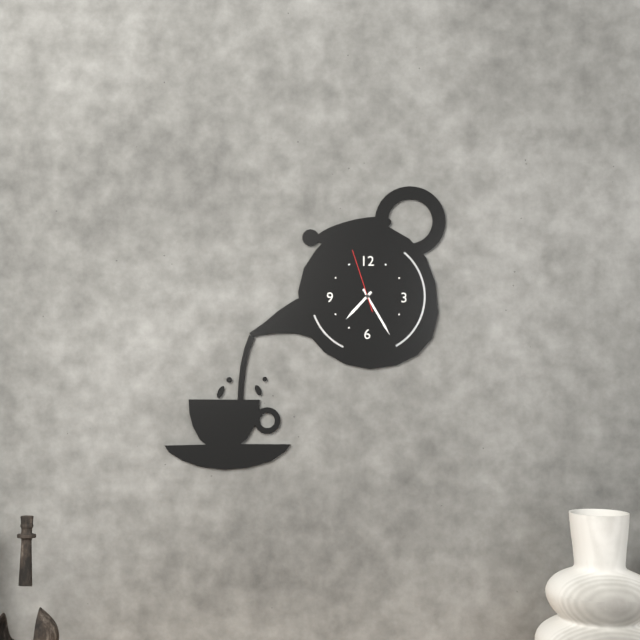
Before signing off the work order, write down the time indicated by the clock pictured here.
7:25:57
